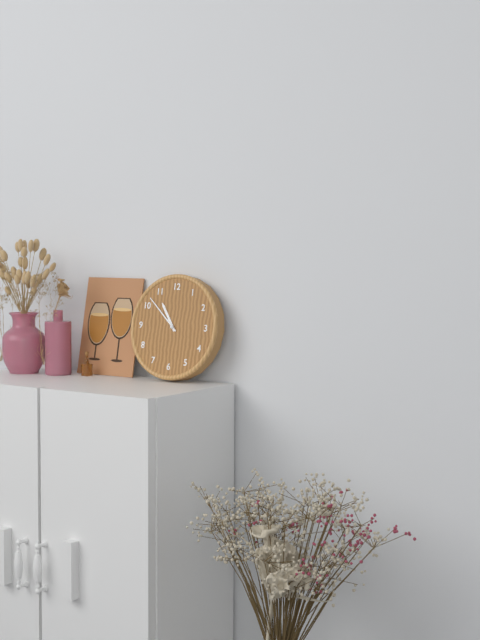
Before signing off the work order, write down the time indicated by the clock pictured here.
10:52
